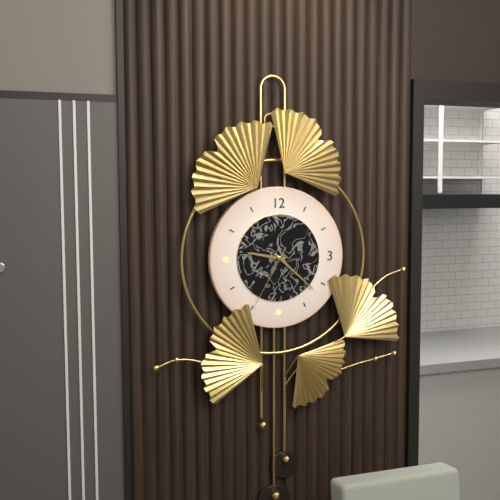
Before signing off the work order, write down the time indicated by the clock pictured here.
9:22:35
